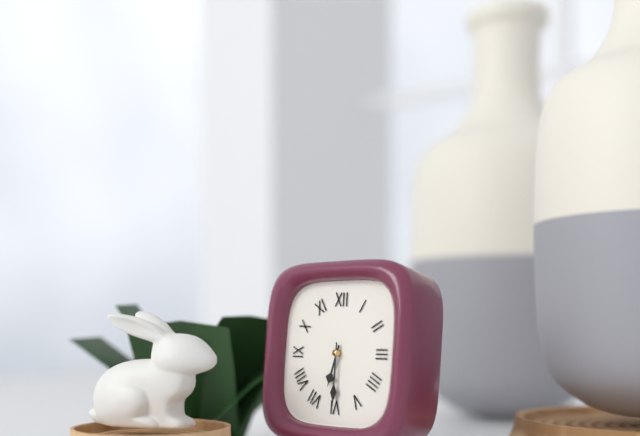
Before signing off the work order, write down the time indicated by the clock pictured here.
6:30
